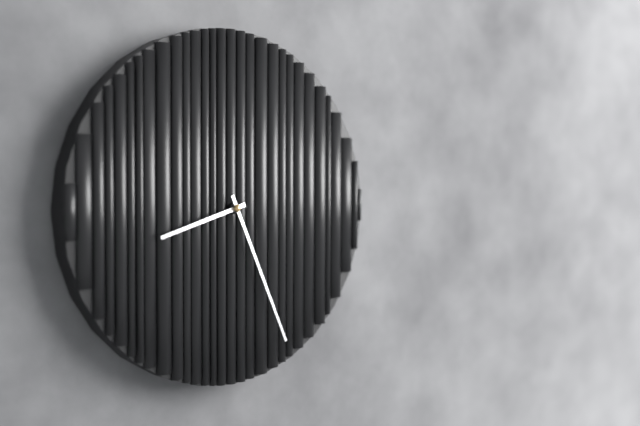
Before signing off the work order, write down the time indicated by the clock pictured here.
8:26
